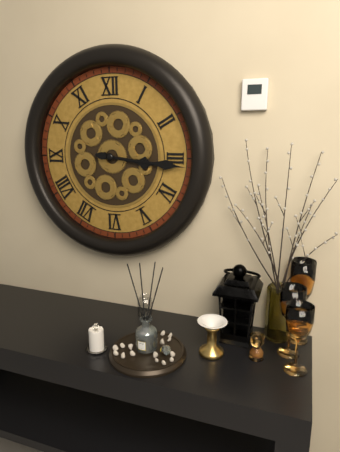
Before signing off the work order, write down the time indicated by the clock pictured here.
3:16
